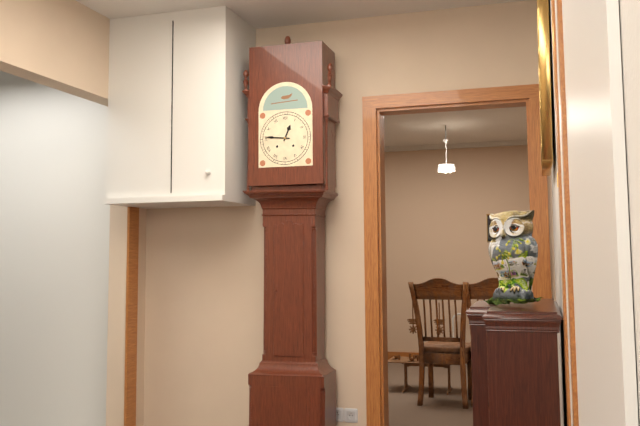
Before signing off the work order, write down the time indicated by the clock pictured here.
12:46
